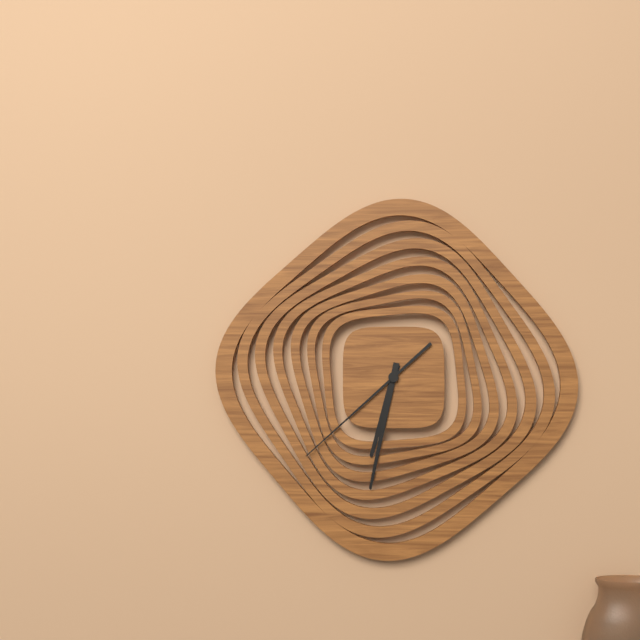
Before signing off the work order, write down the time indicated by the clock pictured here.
6:32:38
